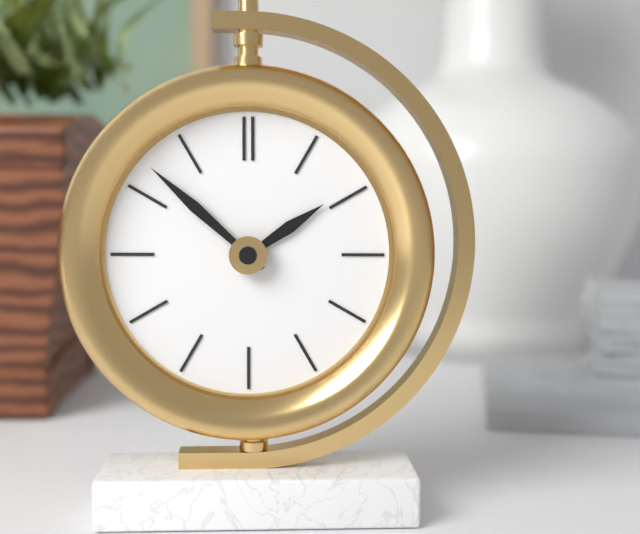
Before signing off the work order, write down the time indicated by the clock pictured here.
1:52
